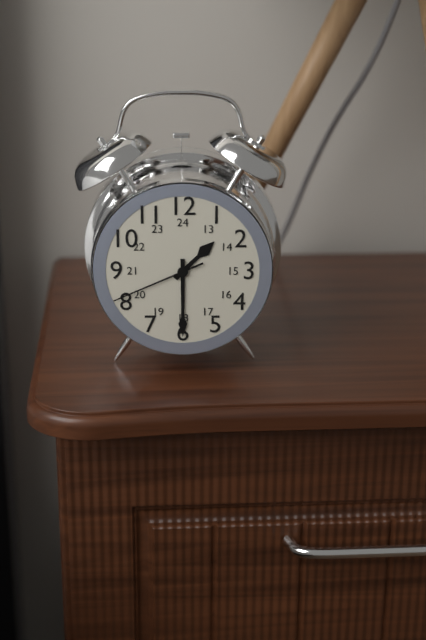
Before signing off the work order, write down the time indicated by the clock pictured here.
1:30:41
